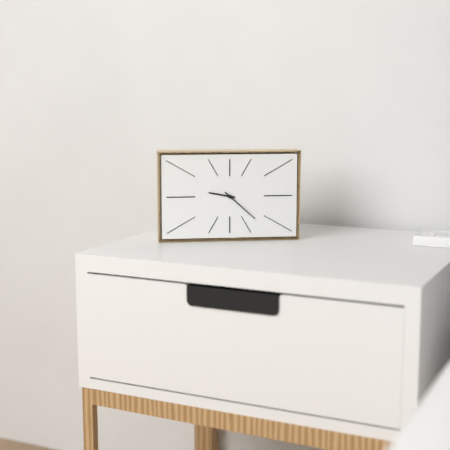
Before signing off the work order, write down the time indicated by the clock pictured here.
9:22
